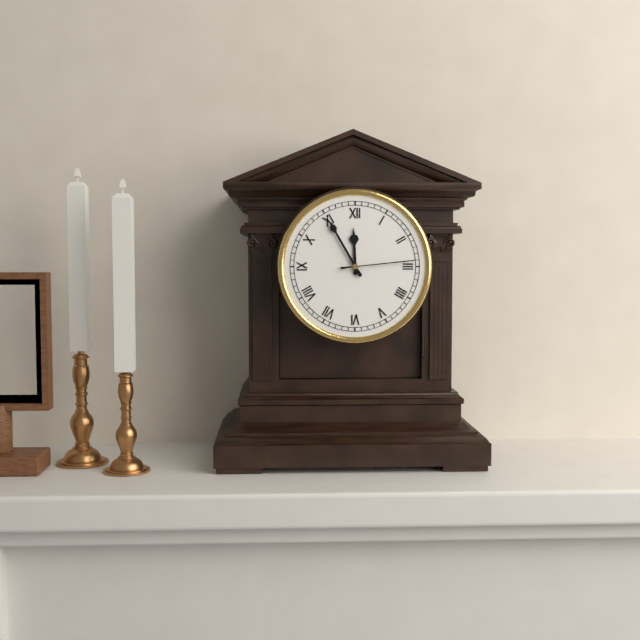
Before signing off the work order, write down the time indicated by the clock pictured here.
11:55:14
